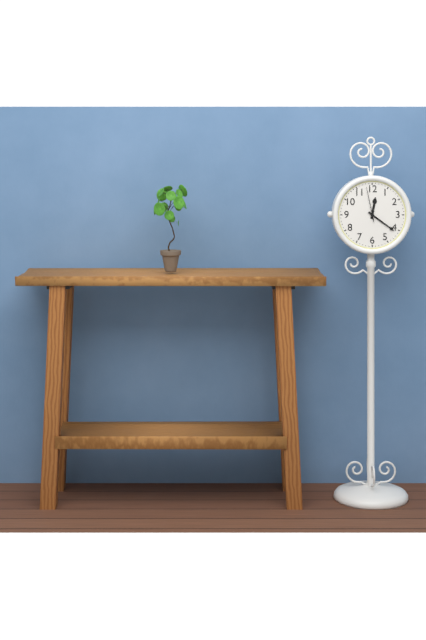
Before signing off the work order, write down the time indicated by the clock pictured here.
12:21
